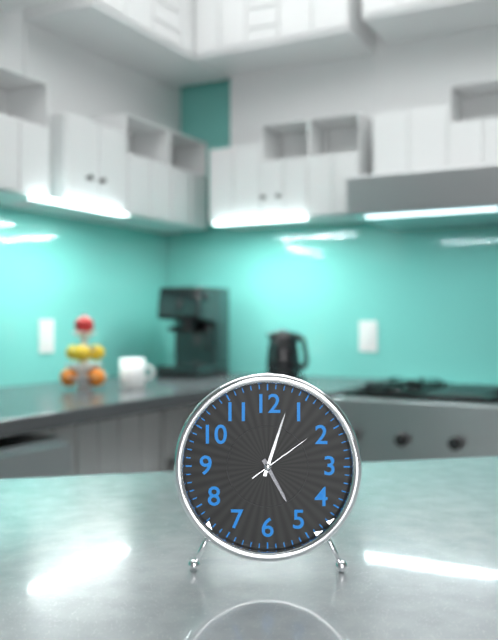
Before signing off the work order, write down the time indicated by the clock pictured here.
5:03:09
